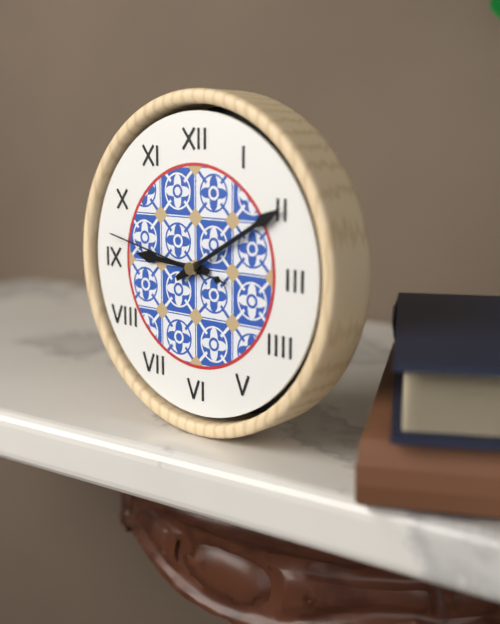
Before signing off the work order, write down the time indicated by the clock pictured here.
9:10:47
